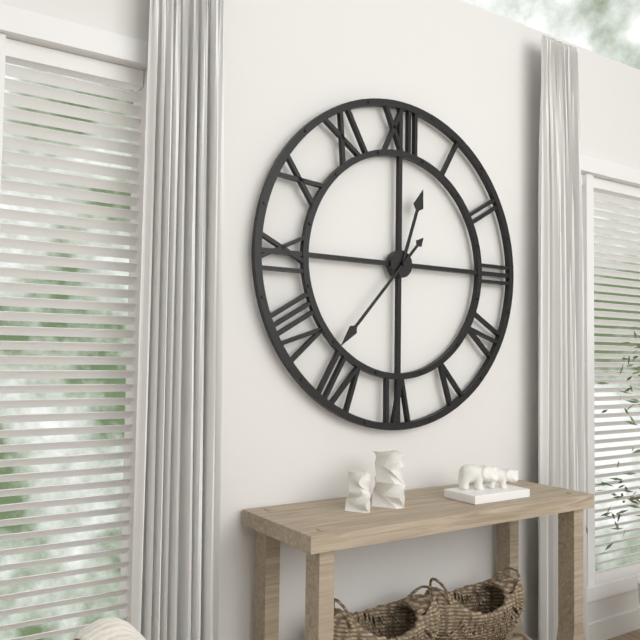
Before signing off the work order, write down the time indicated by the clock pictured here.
12:37
